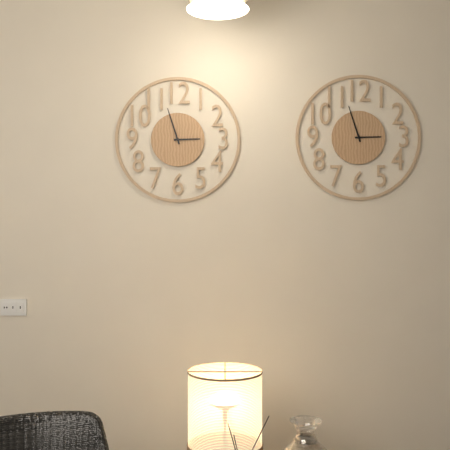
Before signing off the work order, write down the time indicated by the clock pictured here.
2:57
